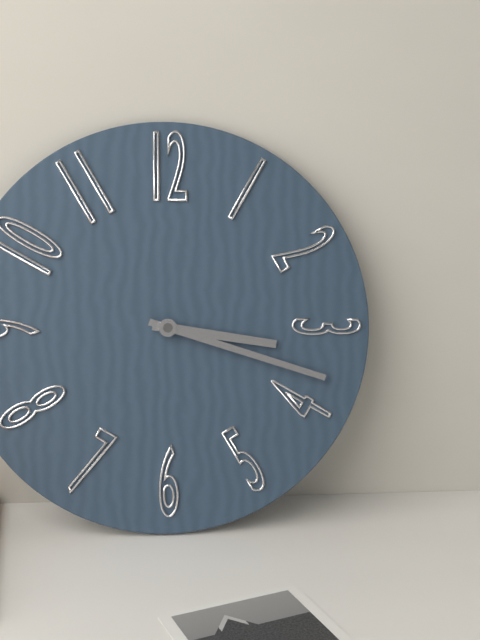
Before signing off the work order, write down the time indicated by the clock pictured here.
3:18
